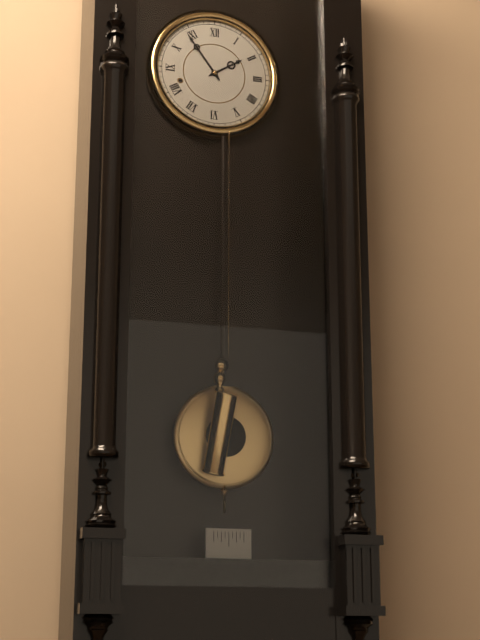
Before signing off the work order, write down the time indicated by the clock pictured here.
1:54
